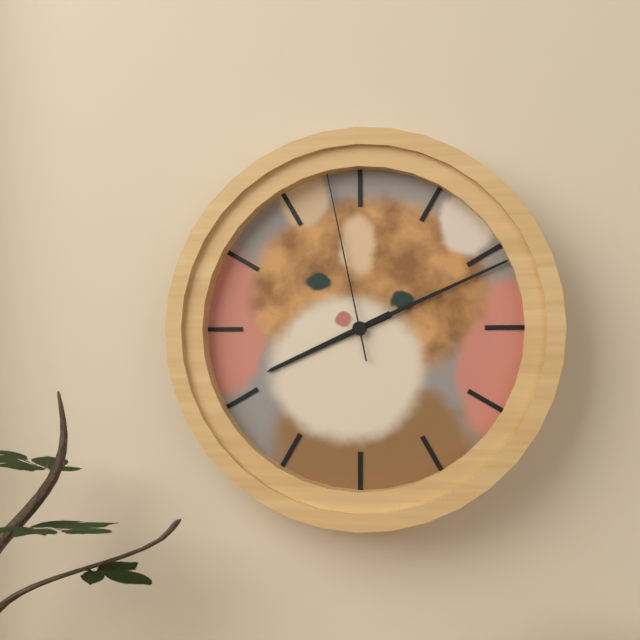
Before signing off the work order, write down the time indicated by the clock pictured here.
8:11:58
